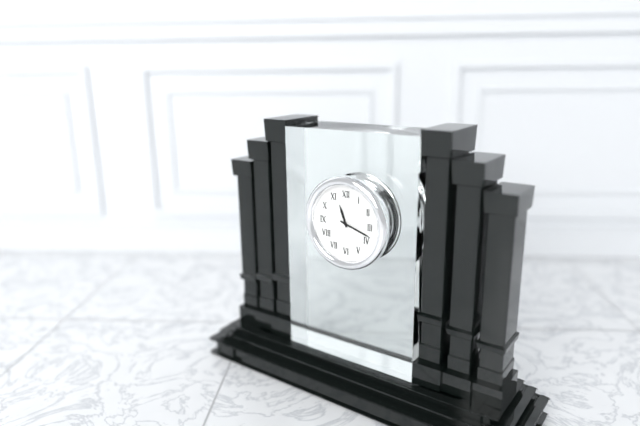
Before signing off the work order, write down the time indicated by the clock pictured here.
11:18
